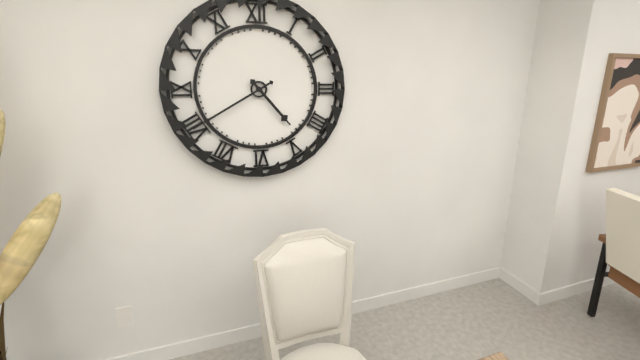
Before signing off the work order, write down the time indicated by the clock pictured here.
4:40
